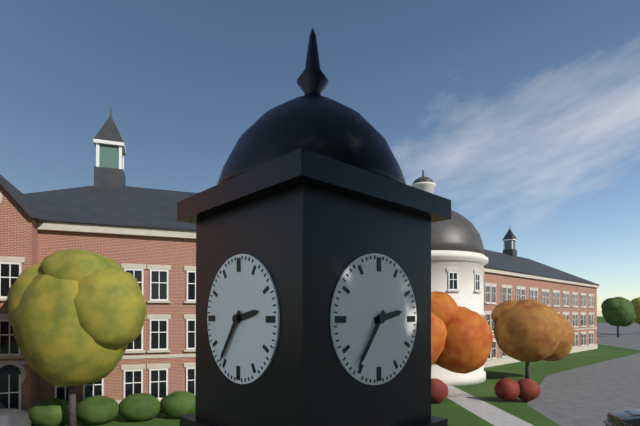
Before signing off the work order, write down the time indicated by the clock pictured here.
2:36
